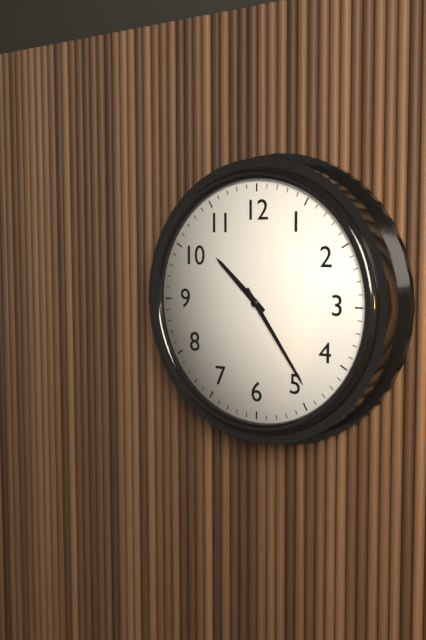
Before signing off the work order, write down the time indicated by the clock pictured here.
10:24
